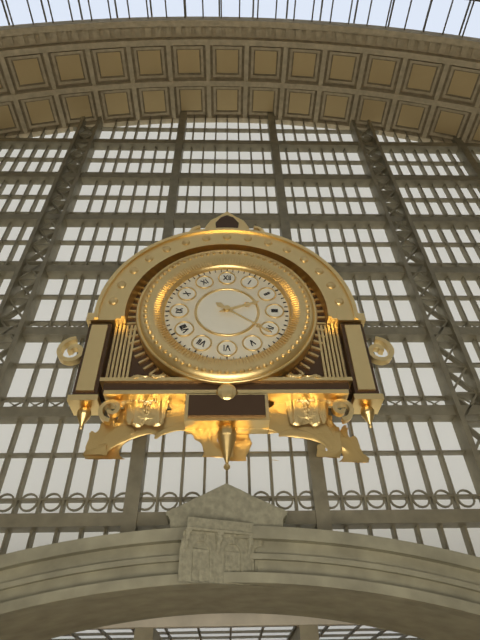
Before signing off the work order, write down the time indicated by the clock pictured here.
2:21
